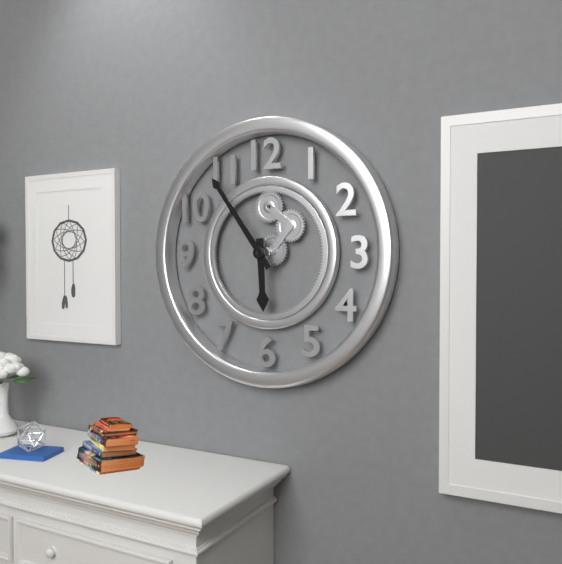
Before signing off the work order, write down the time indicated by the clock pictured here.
5:54
